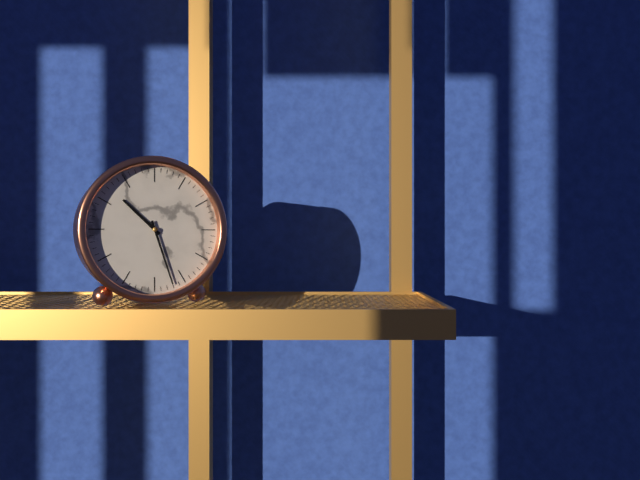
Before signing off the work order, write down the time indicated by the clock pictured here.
10:27
